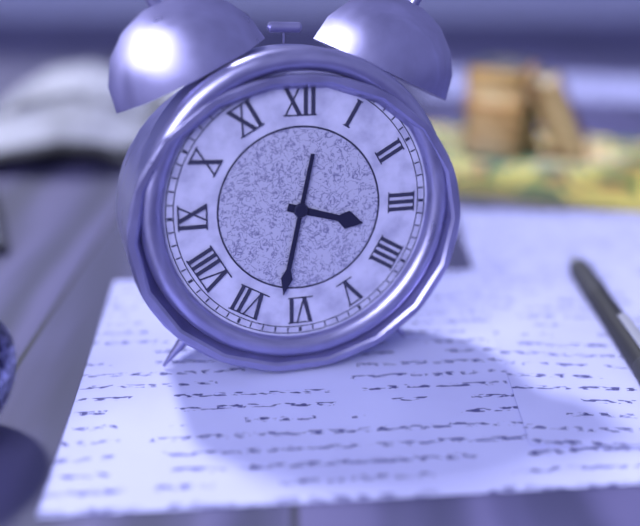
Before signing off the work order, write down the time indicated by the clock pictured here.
3:32
